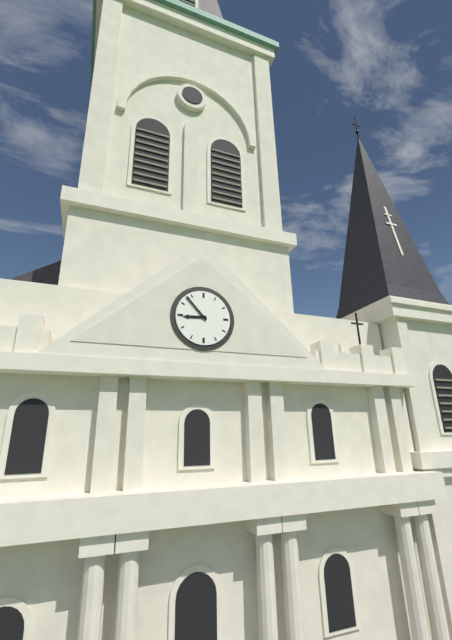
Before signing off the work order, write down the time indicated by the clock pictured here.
8:53
